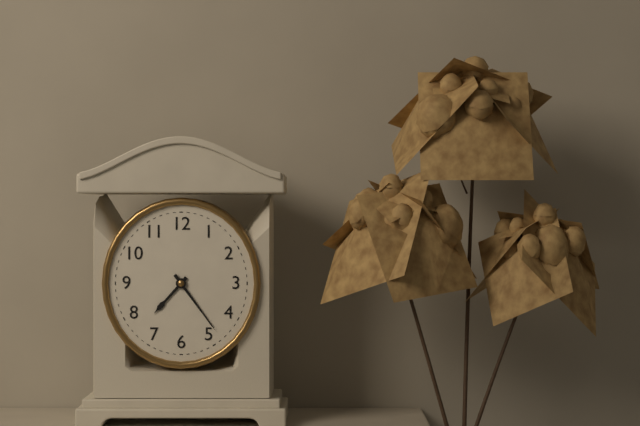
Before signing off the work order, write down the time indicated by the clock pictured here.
7:24
